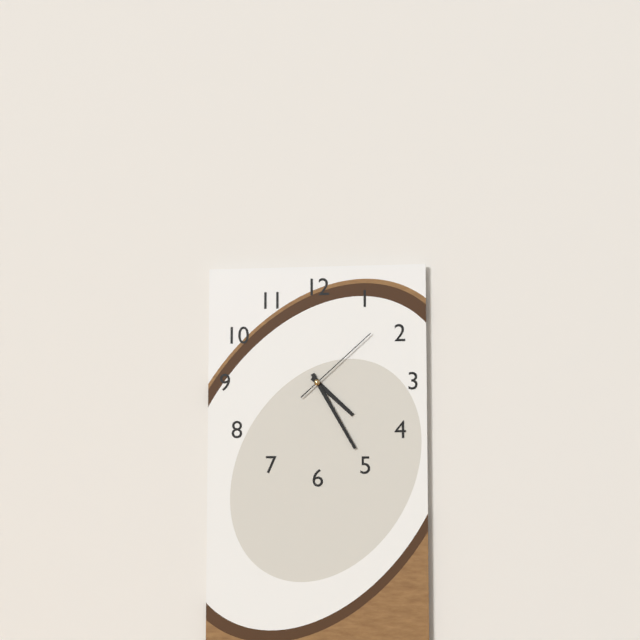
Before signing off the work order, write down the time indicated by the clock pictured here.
4:25:08
